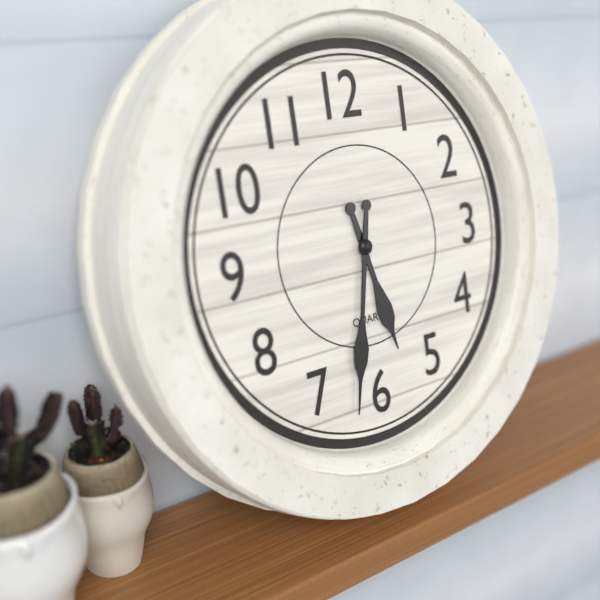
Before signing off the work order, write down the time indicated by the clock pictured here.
5:32
